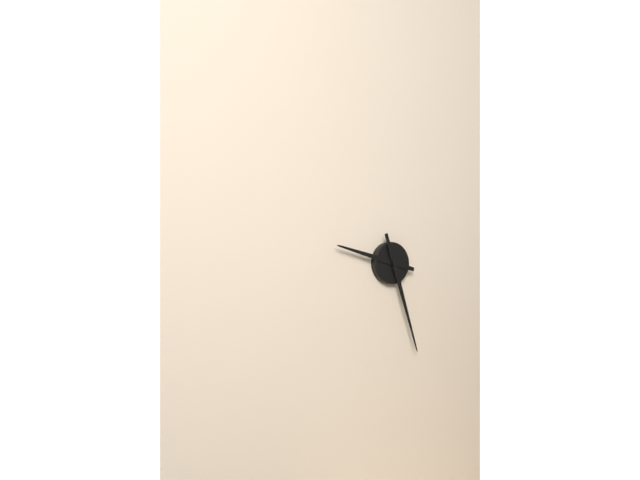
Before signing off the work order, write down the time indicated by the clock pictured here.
9:27
